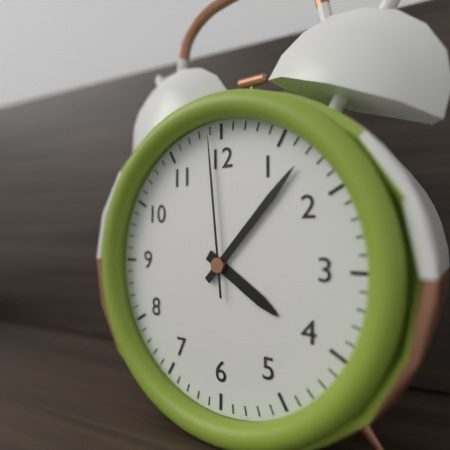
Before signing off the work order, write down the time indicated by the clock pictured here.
4:07:59
